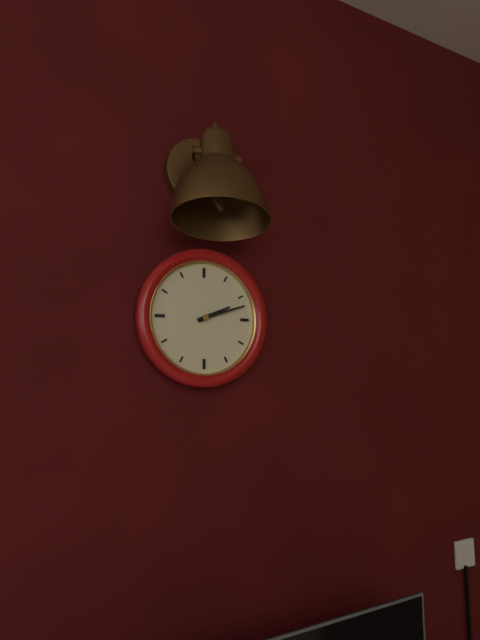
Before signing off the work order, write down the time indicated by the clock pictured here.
2:12
